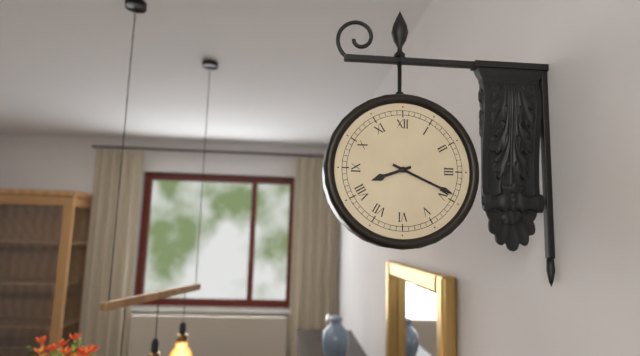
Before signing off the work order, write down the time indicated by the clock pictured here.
8:19
